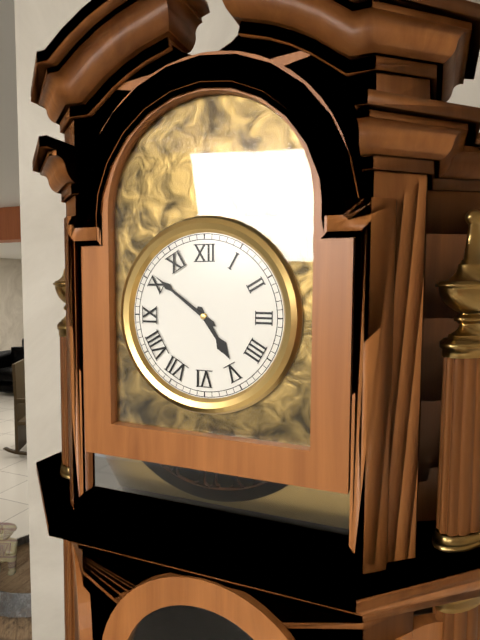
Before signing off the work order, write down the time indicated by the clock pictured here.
4:51
